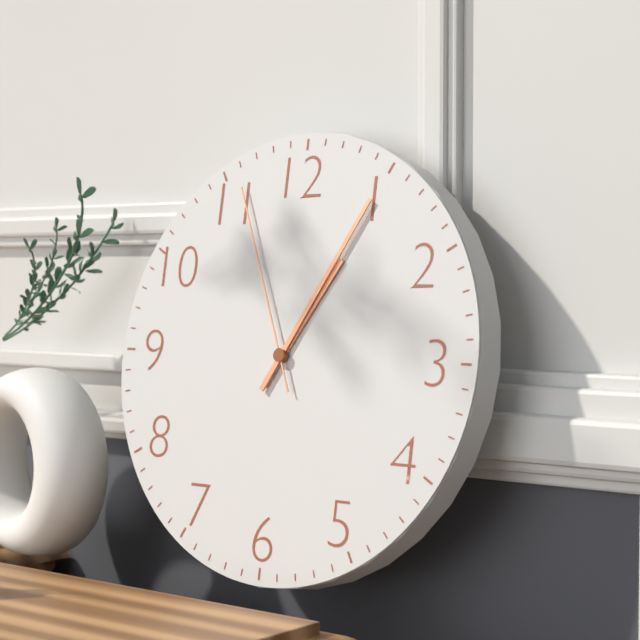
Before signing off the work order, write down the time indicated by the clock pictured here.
1:05:56
